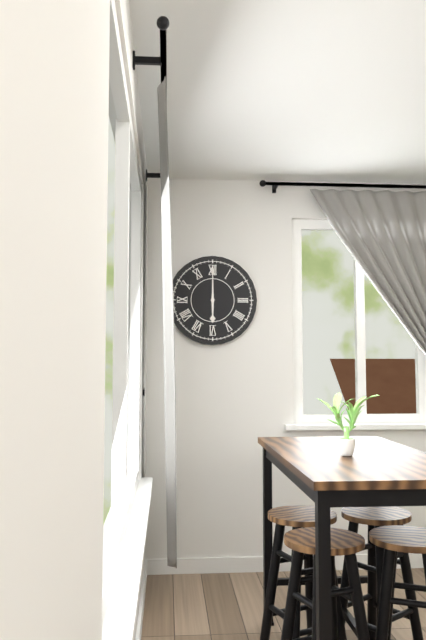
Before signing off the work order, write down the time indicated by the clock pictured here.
6:00
